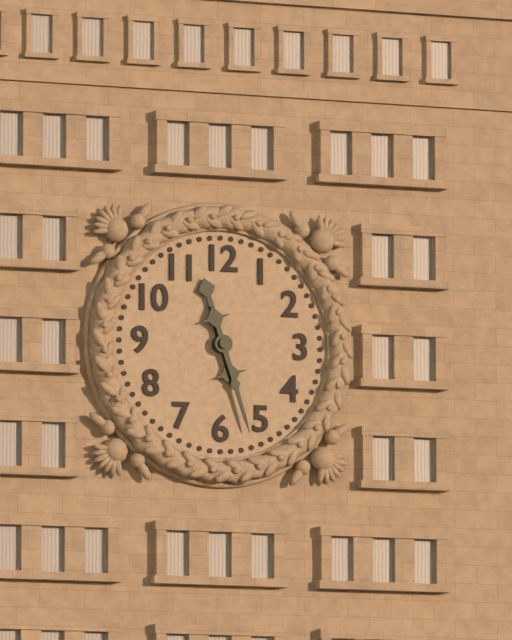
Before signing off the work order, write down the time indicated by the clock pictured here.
11:27
